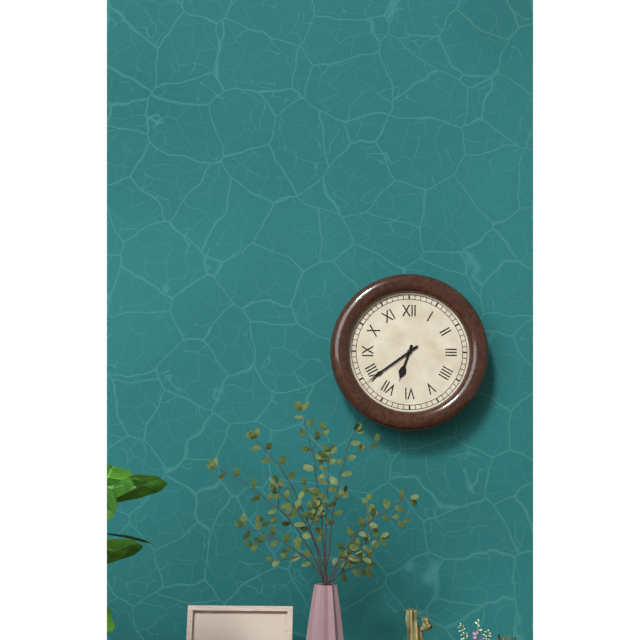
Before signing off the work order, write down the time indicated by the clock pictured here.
6:39
